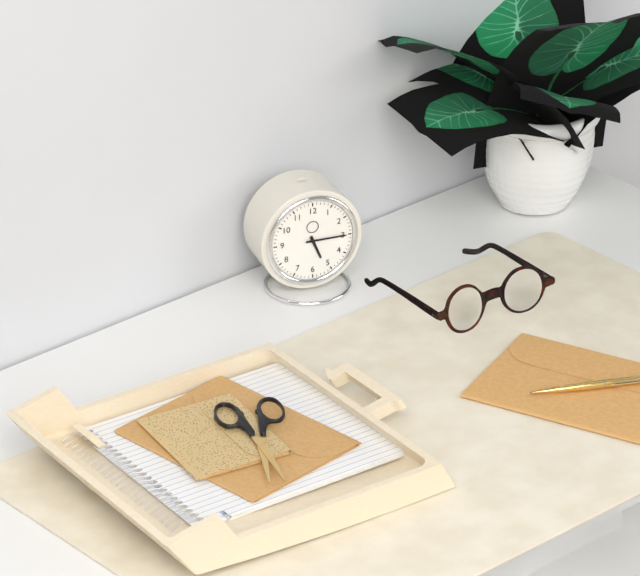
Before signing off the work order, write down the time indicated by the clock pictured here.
5:15
